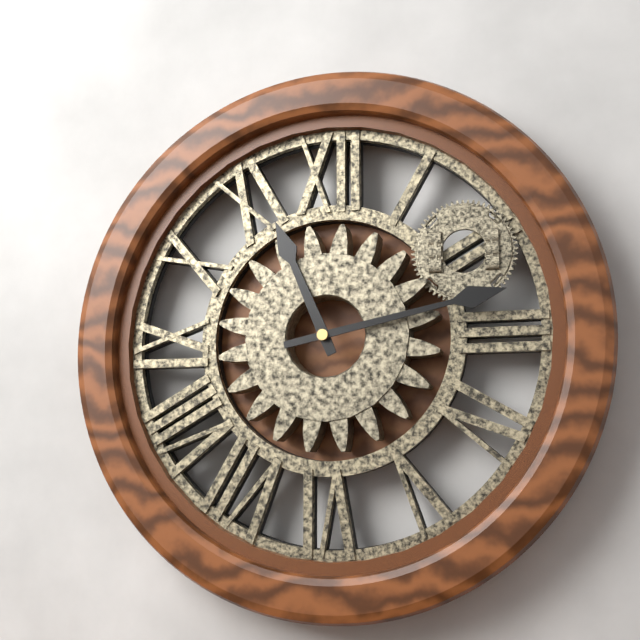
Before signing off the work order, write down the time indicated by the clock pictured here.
11:13
